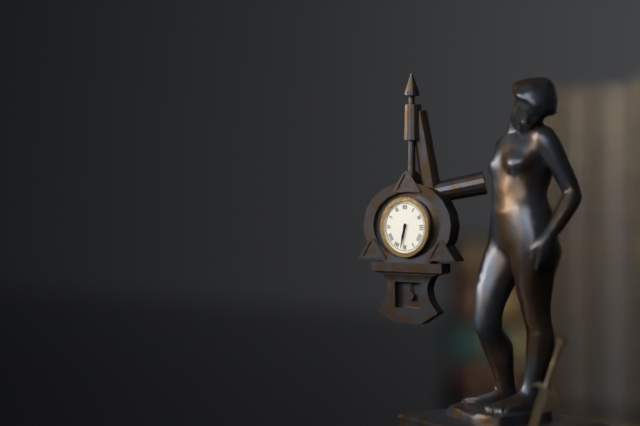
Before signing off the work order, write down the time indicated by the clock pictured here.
6:32
